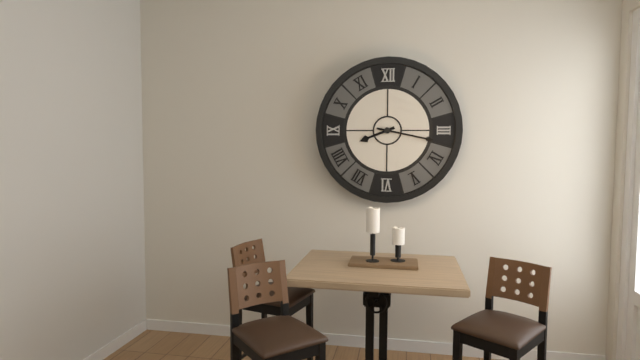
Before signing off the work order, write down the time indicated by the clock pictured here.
8:17
